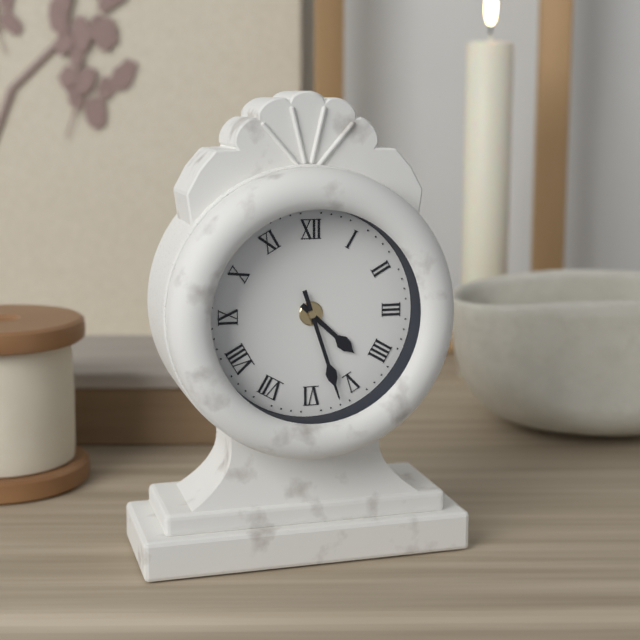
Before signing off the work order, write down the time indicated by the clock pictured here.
4:27
